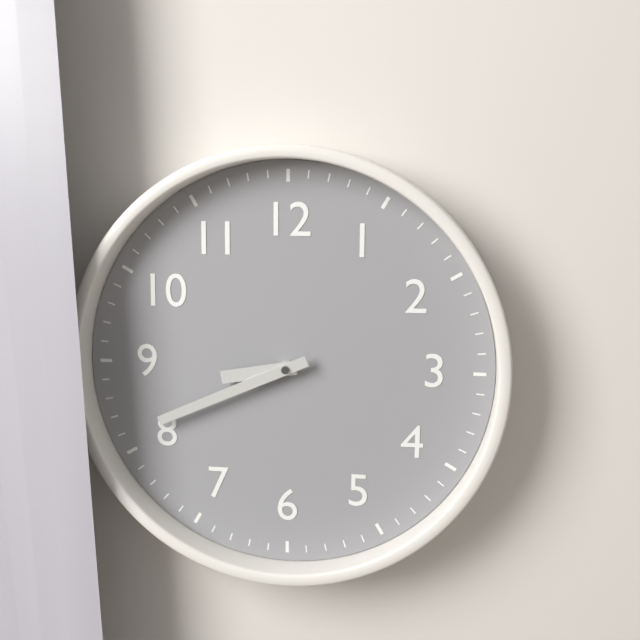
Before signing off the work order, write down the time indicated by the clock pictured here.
8:41
